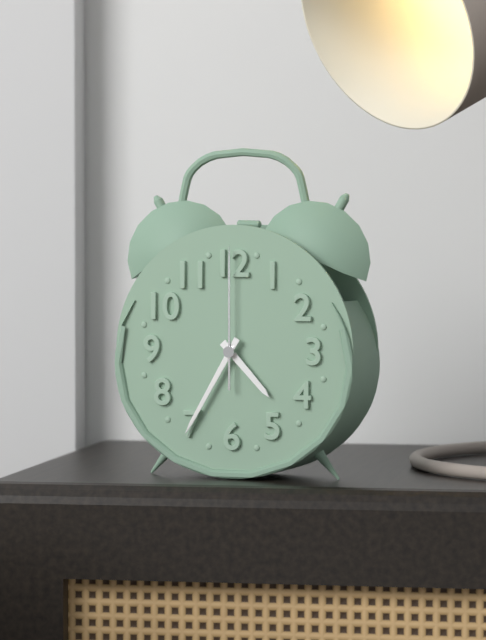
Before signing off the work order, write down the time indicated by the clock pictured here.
4:35:00
